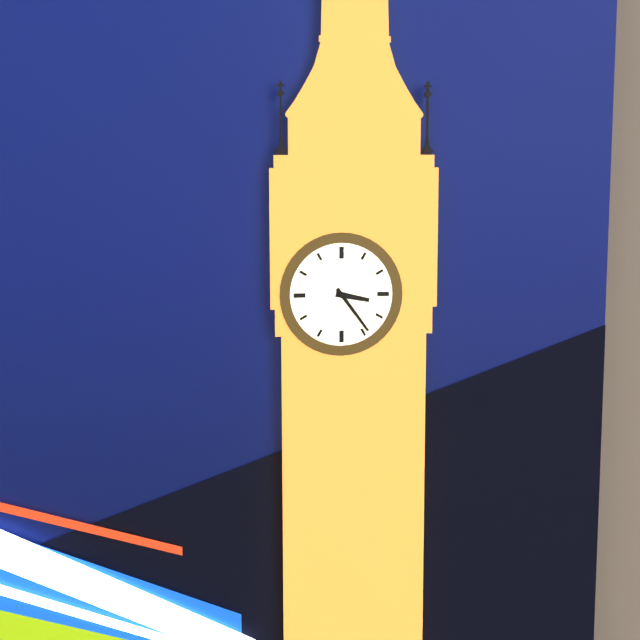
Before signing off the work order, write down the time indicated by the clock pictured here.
3:24
